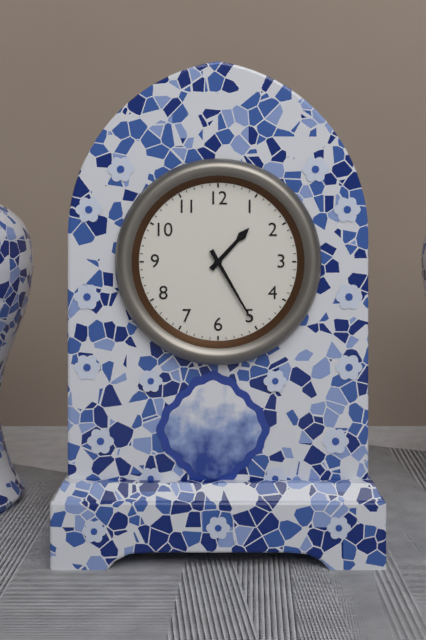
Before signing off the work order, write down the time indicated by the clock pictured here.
1:25
